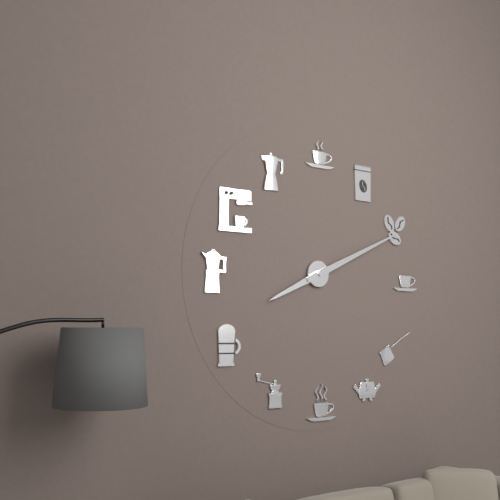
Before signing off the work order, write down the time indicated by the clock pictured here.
8:11
